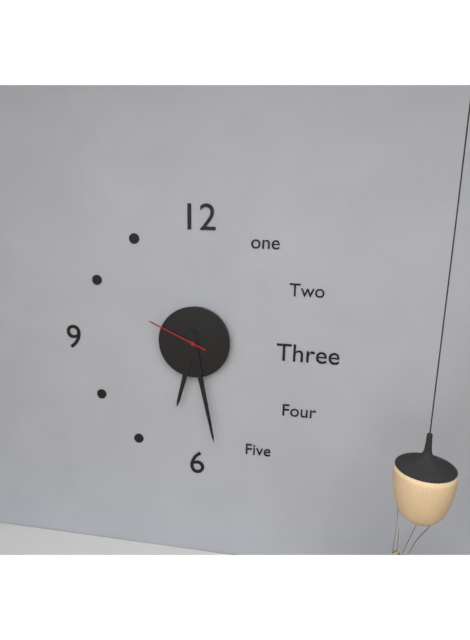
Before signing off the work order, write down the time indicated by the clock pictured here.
6:28:49
